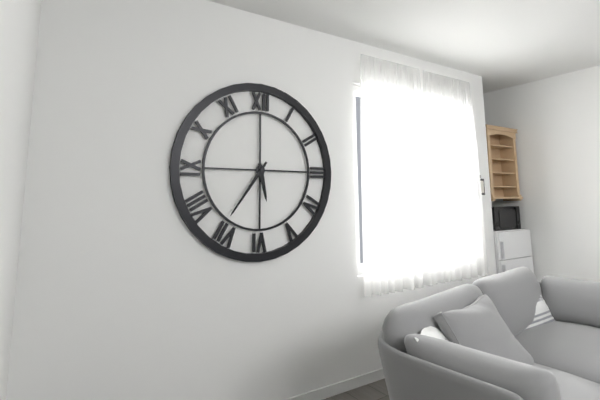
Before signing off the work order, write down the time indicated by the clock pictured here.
5:36
